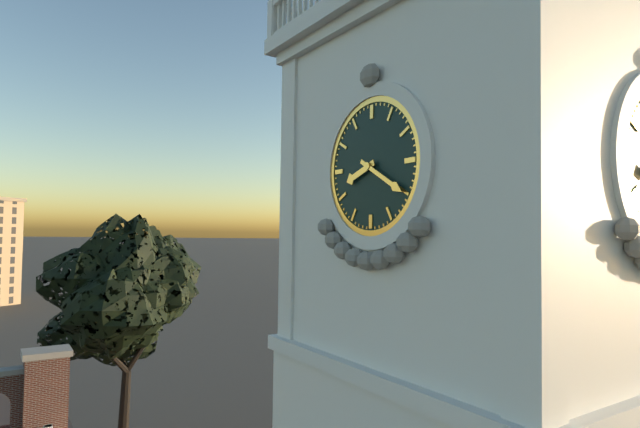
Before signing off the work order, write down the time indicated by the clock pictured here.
8:20
